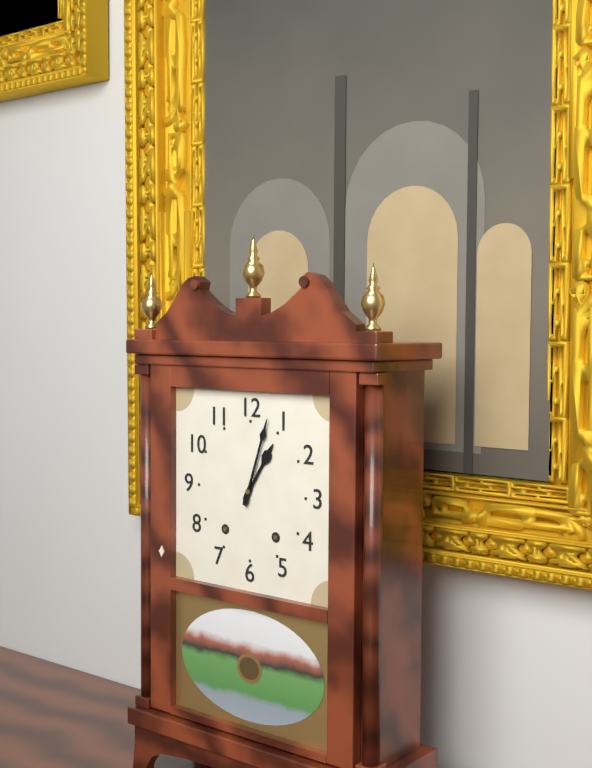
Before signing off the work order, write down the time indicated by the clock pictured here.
1:03
